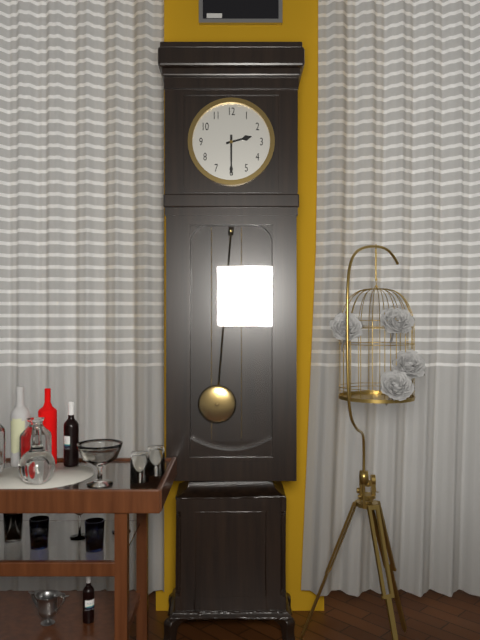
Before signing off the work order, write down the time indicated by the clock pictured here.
2:30
